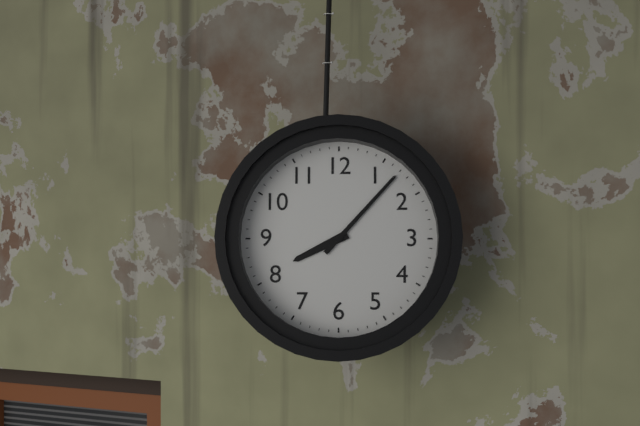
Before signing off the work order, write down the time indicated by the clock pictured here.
8:07
